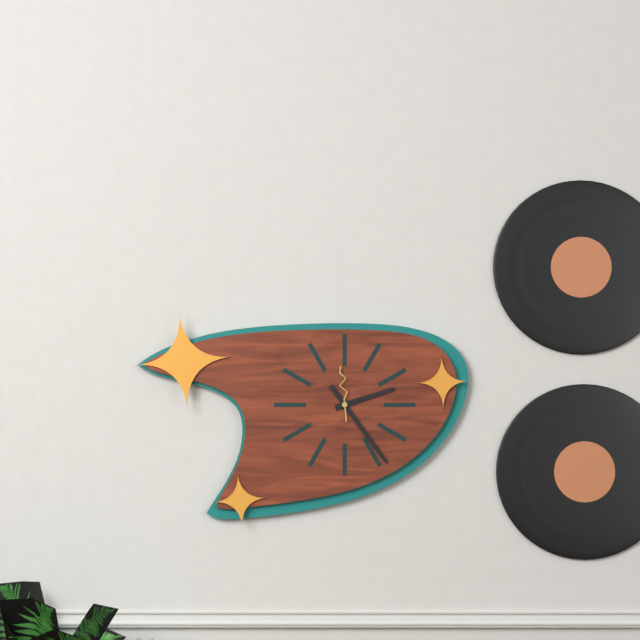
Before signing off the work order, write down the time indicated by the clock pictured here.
2:24
